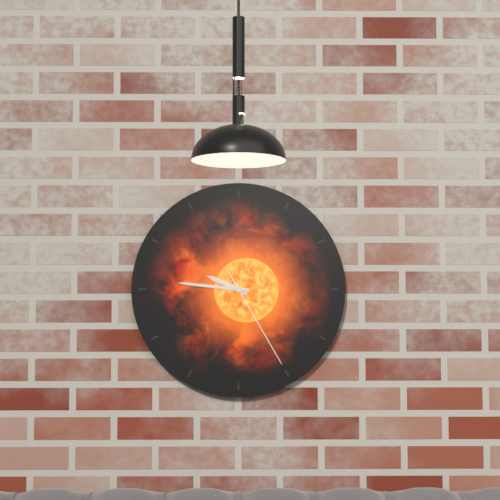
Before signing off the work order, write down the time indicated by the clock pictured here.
9:46:25
